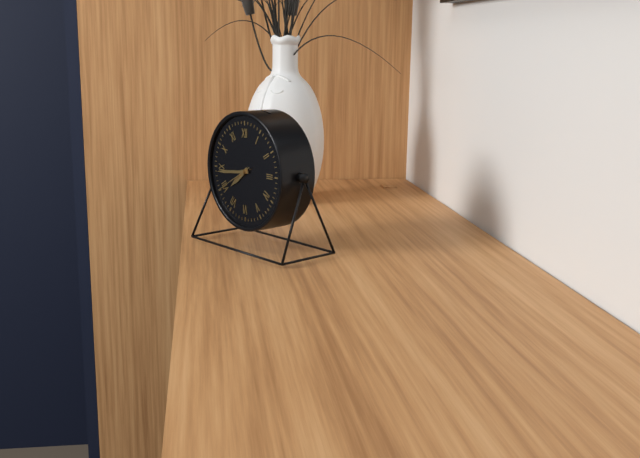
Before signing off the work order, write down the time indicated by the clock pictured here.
7:44
